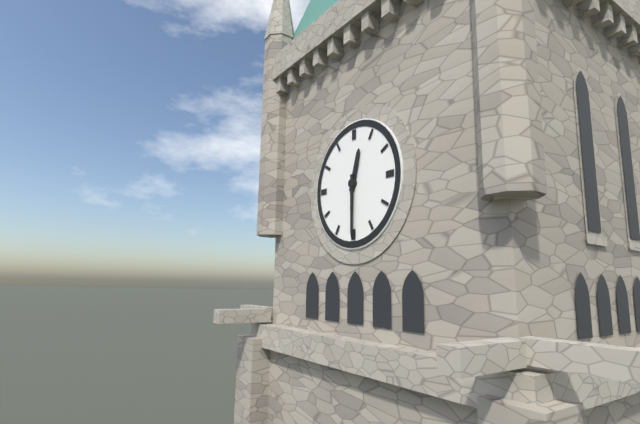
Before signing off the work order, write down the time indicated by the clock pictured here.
12:30
